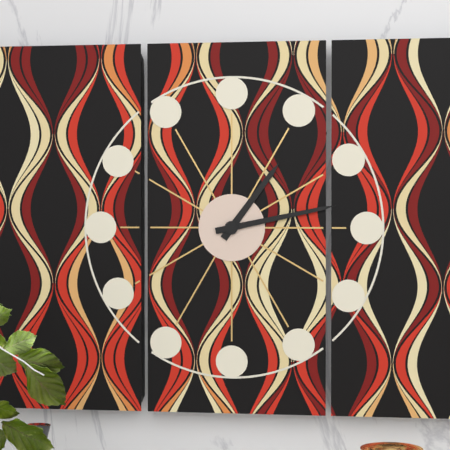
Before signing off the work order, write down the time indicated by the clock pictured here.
1:13
